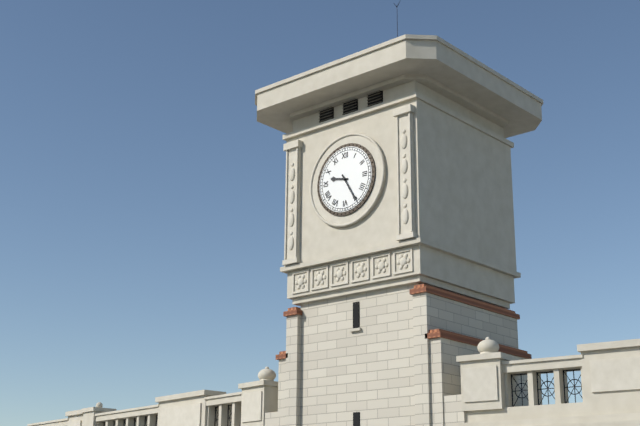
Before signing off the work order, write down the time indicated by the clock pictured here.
9:25
